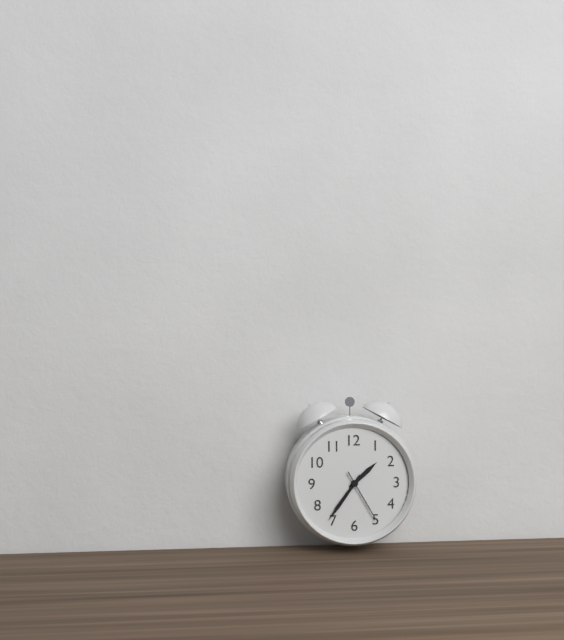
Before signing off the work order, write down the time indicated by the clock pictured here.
1:36:25
